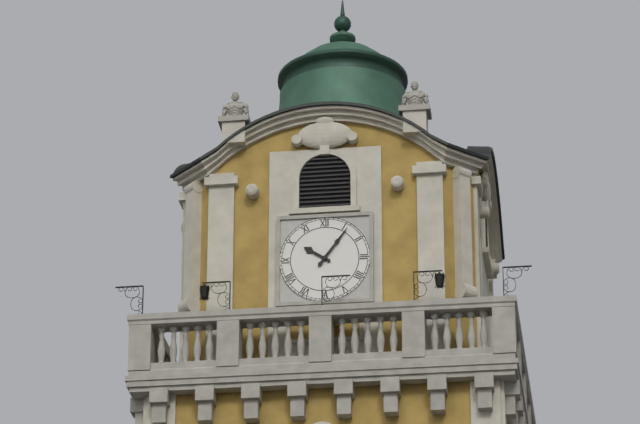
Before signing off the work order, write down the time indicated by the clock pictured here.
10:06
